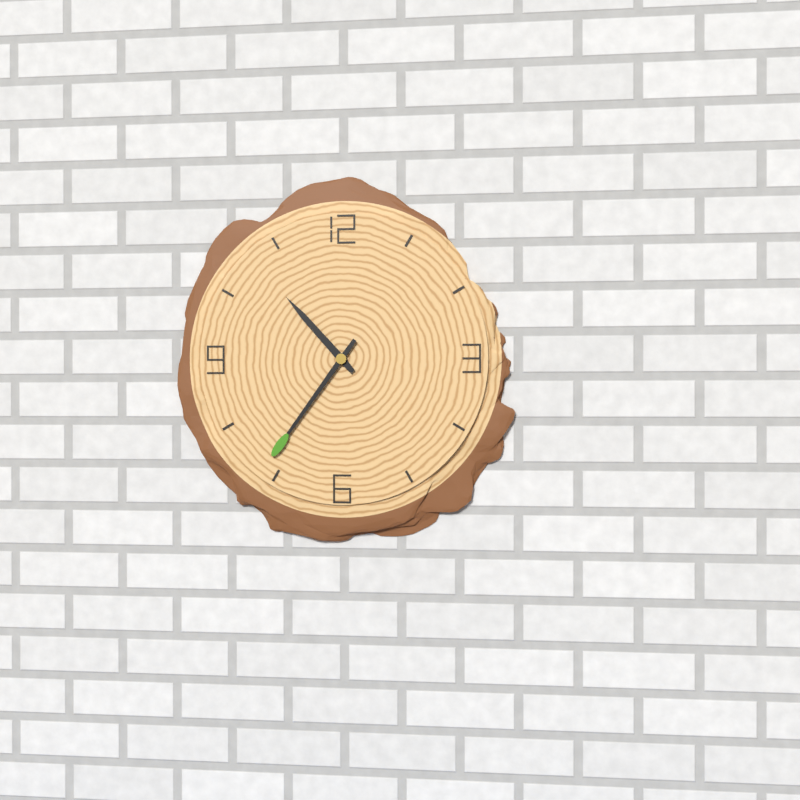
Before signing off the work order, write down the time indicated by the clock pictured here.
10:36
